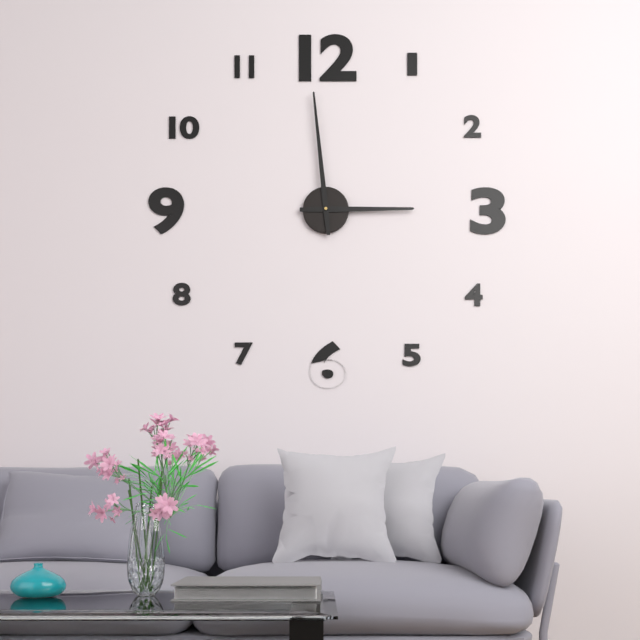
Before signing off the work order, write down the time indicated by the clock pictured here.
2:59
